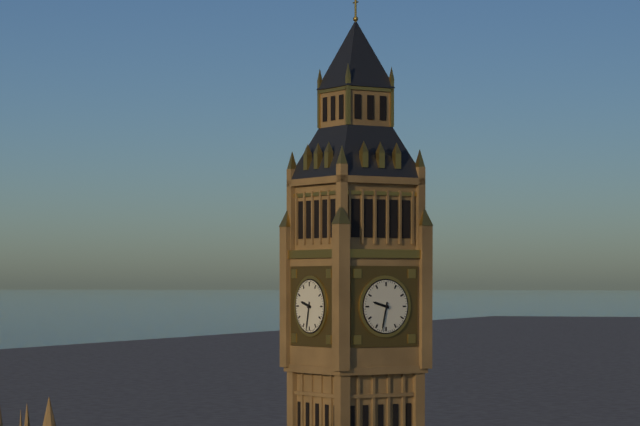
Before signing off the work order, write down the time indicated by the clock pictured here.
9:32
